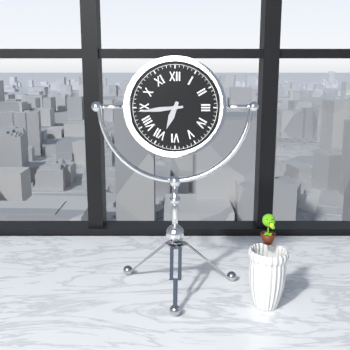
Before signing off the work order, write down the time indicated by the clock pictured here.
6:44
